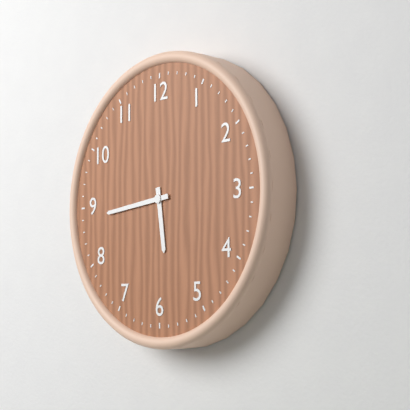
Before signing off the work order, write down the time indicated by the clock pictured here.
5:44
